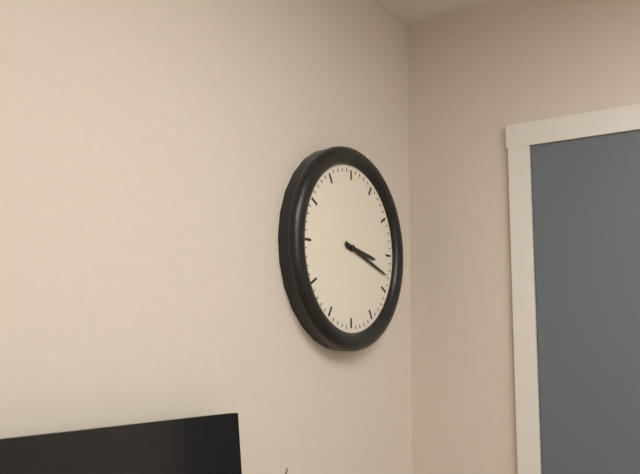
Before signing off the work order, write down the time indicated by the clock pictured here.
3:18
